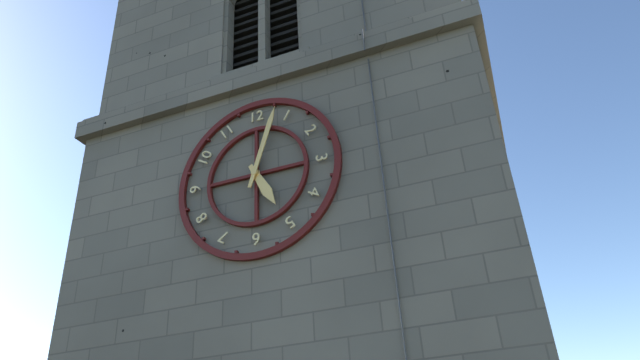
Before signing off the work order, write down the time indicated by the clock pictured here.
5:03
